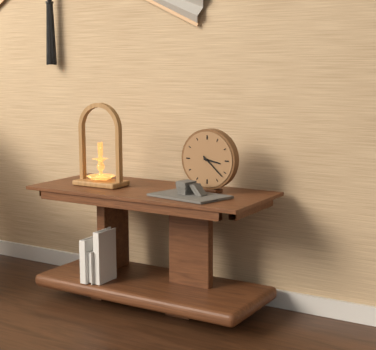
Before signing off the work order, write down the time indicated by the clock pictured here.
3:22
